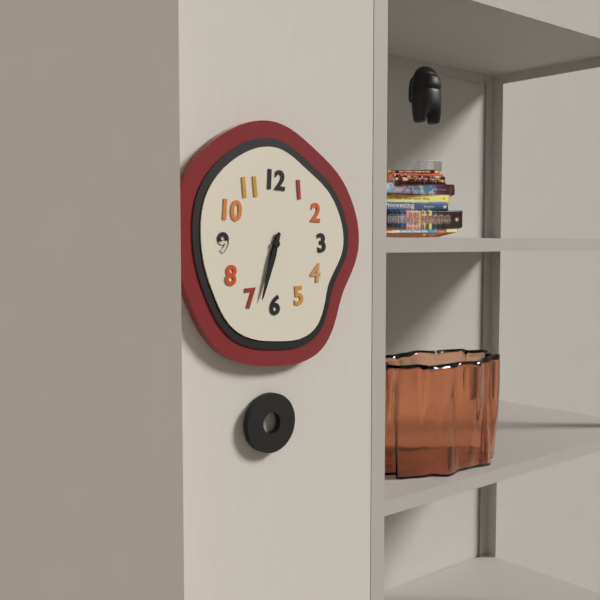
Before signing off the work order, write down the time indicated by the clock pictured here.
6:33
